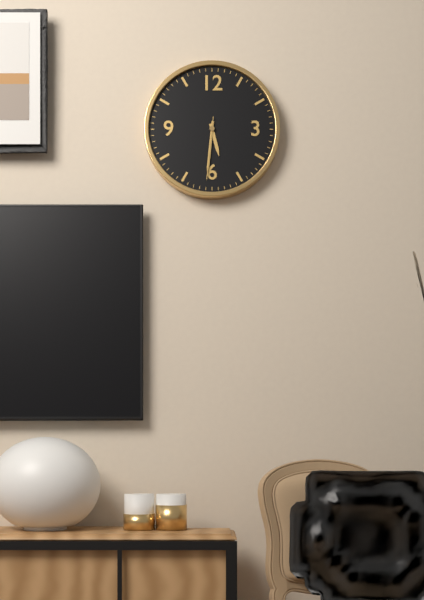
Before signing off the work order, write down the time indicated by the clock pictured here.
5:31:31
